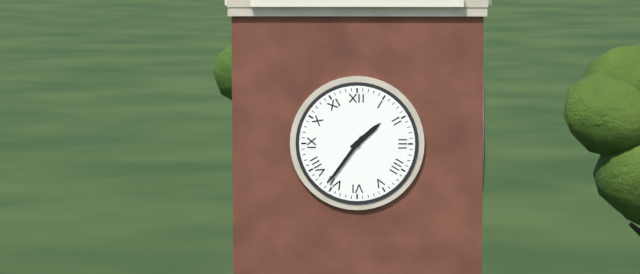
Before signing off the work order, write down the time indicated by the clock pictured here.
1:36
